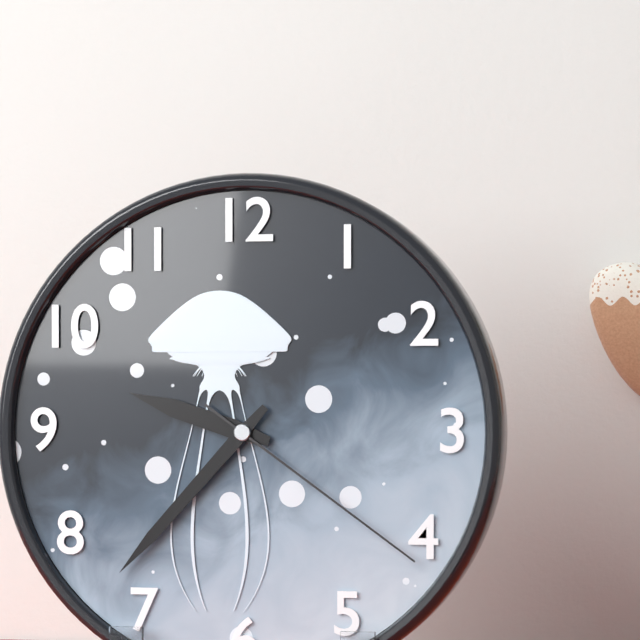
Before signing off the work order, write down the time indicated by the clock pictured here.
9:37:21
